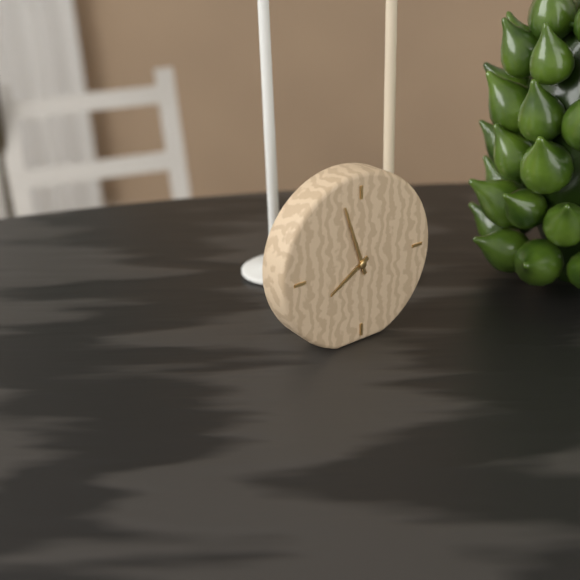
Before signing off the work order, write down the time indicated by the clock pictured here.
7:57
